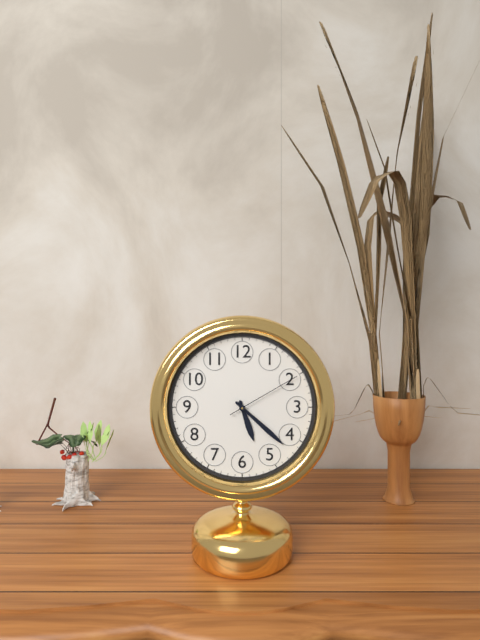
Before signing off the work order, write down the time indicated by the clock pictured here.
5:22:10
